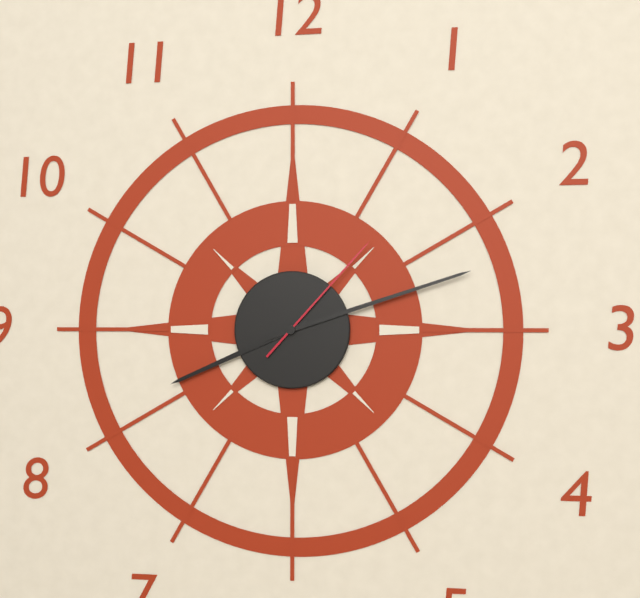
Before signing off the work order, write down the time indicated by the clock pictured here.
8:12:07
